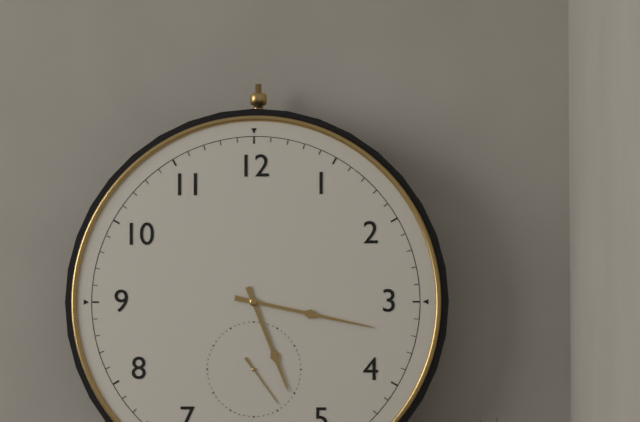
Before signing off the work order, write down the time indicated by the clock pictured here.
5:17:24
